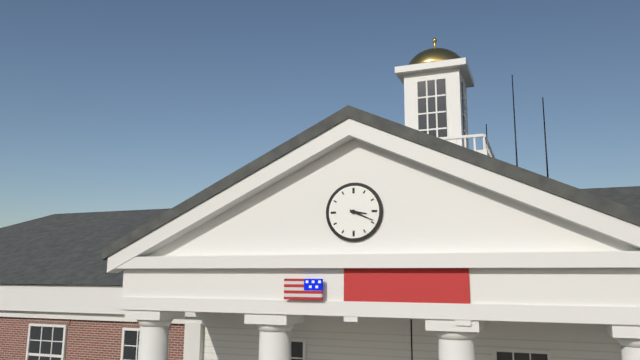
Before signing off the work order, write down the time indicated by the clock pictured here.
3:19
